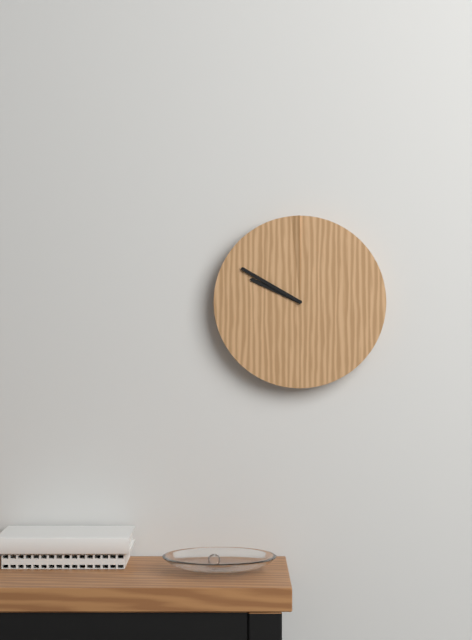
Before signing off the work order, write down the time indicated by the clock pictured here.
9:50
